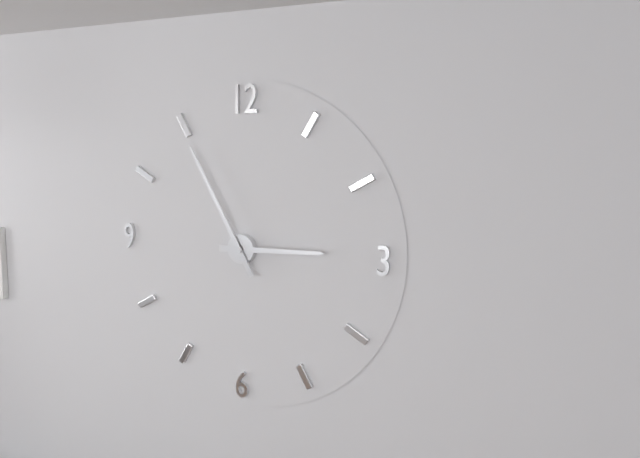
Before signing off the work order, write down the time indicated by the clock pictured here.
2:55
